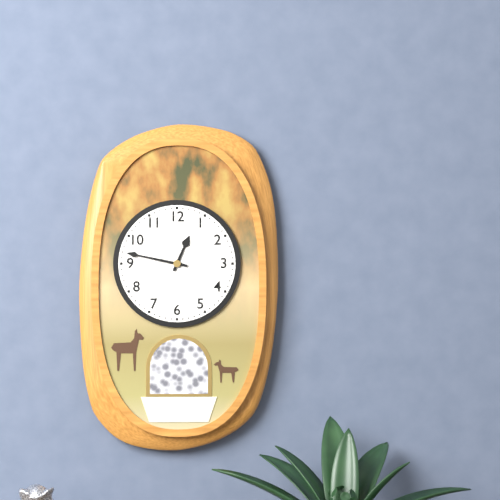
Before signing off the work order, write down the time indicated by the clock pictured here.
12:47
